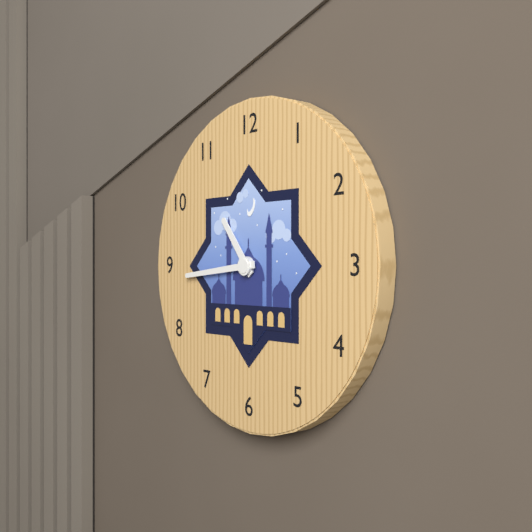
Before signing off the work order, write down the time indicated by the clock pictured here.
10:44
